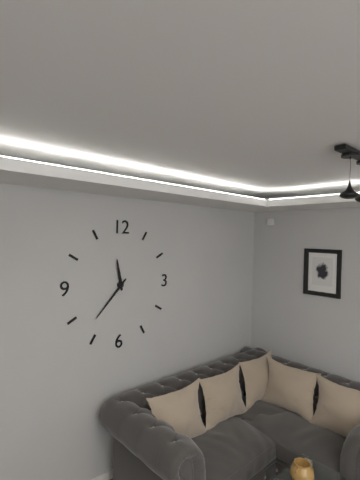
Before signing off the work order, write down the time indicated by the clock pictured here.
11:37
